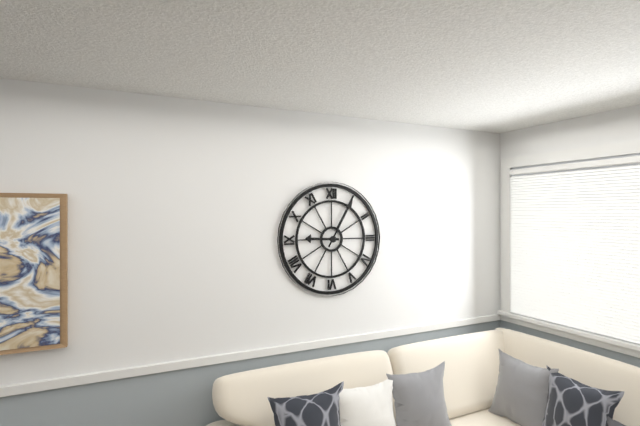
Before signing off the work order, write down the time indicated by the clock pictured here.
9:05
